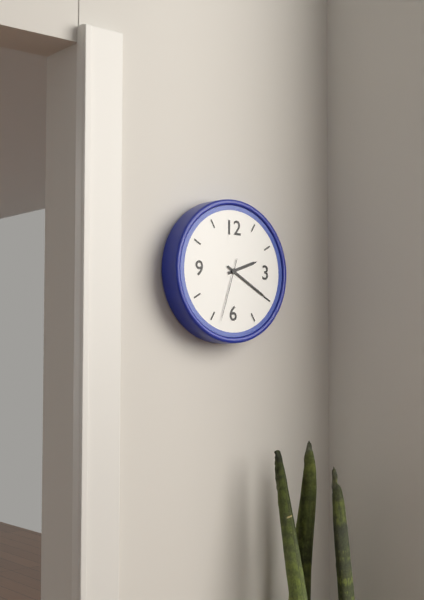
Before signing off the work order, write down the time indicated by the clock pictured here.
2:20:33
